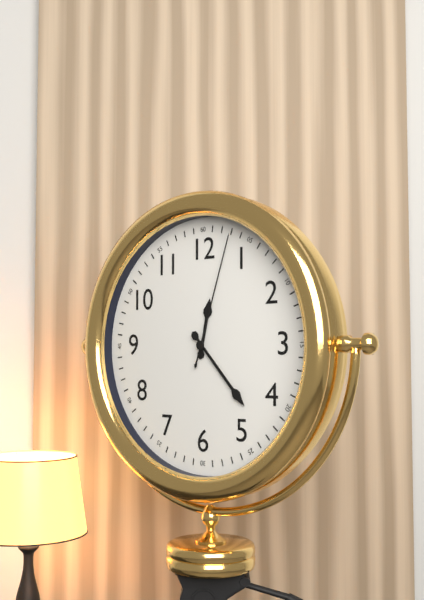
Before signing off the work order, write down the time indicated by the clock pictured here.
12:23:03
